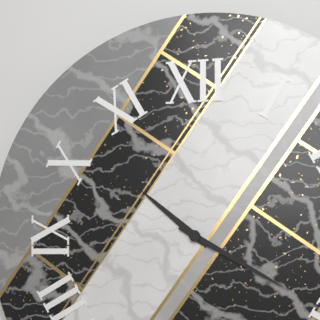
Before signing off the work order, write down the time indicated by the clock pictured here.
10:20
